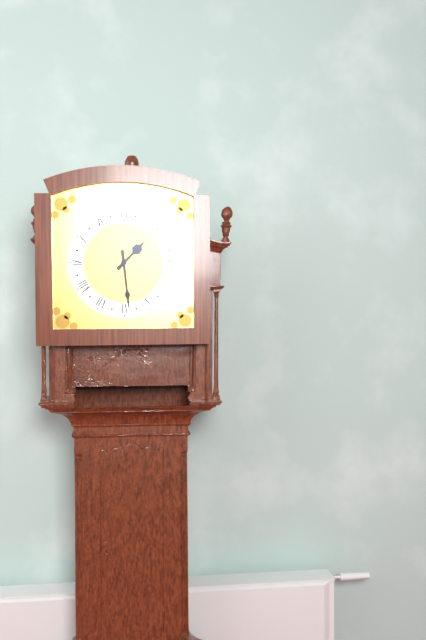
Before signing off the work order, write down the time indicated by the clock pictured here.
1:29
